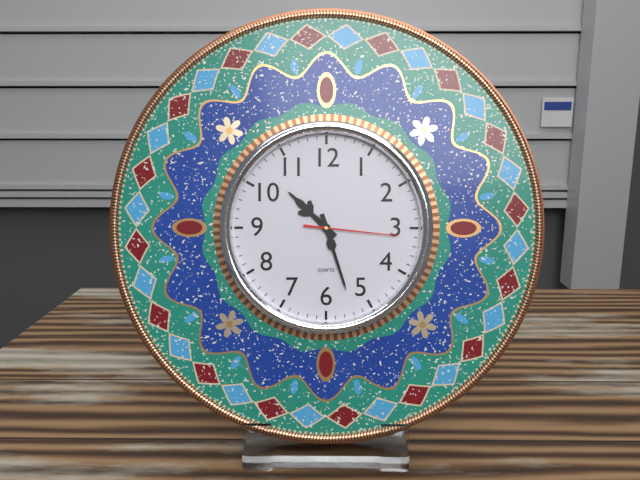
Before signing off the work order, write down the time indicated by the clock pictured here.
10:27:16
